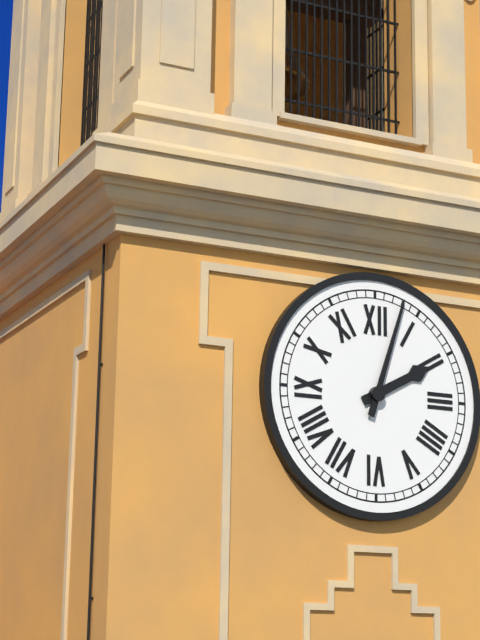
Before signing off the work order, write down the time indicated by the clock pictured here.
2:03
